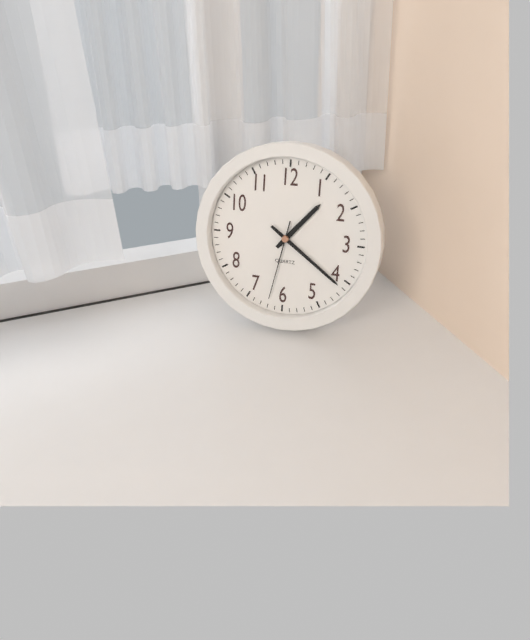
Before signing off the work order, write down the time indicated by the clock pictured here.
1:21:32
